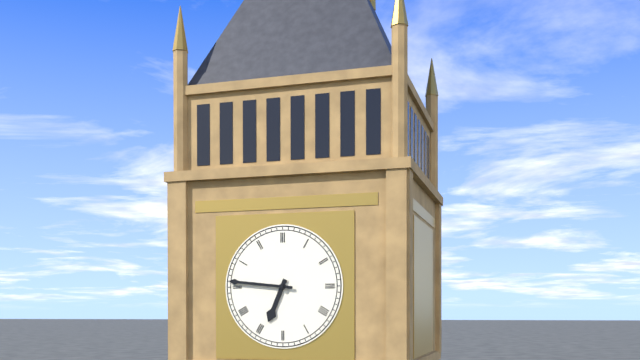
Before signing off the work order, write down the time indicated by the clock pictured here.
6:46
